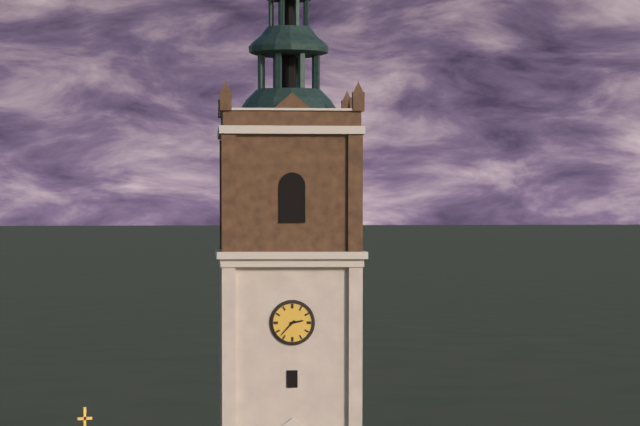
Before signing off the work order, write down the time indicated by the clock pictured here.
2:37
